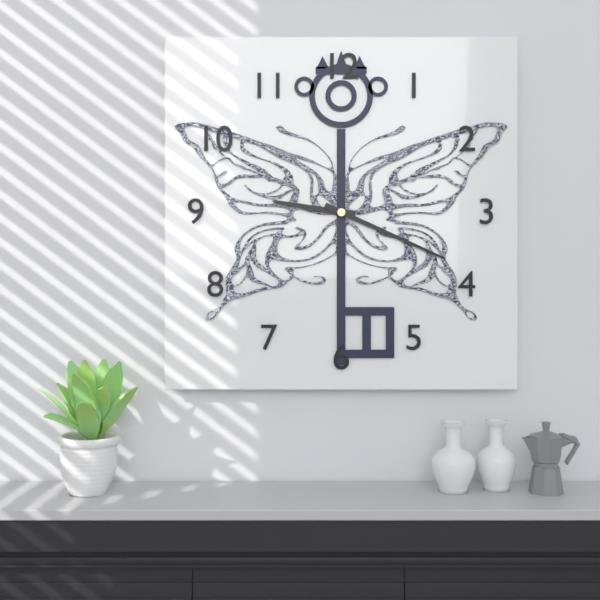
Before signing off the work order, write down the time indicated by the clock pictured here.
9:19
